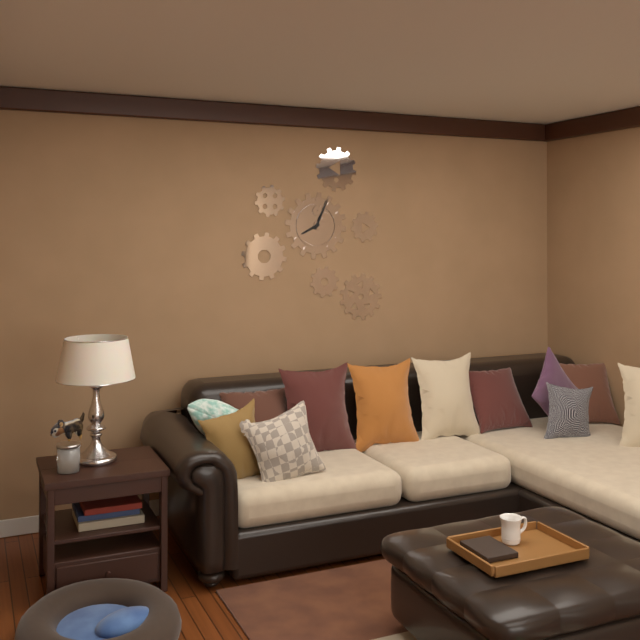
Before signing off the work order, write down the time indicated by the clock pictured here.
8:04
